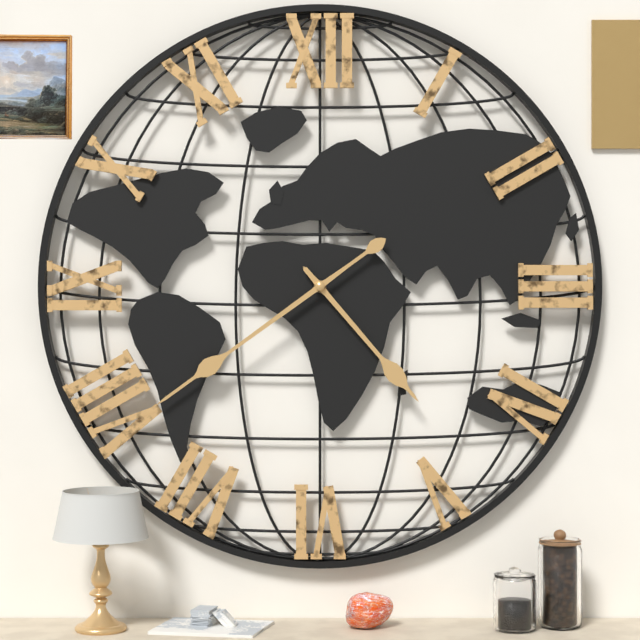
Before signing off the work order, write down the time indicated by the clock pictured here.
4:39
